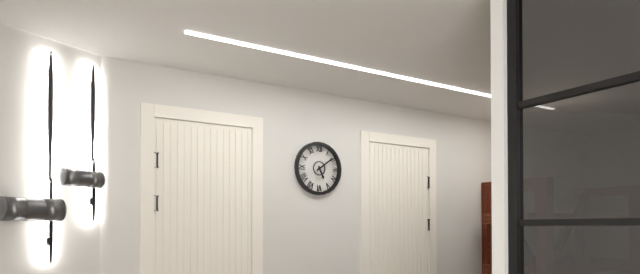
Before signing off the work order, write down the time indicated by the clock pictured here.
5:09
